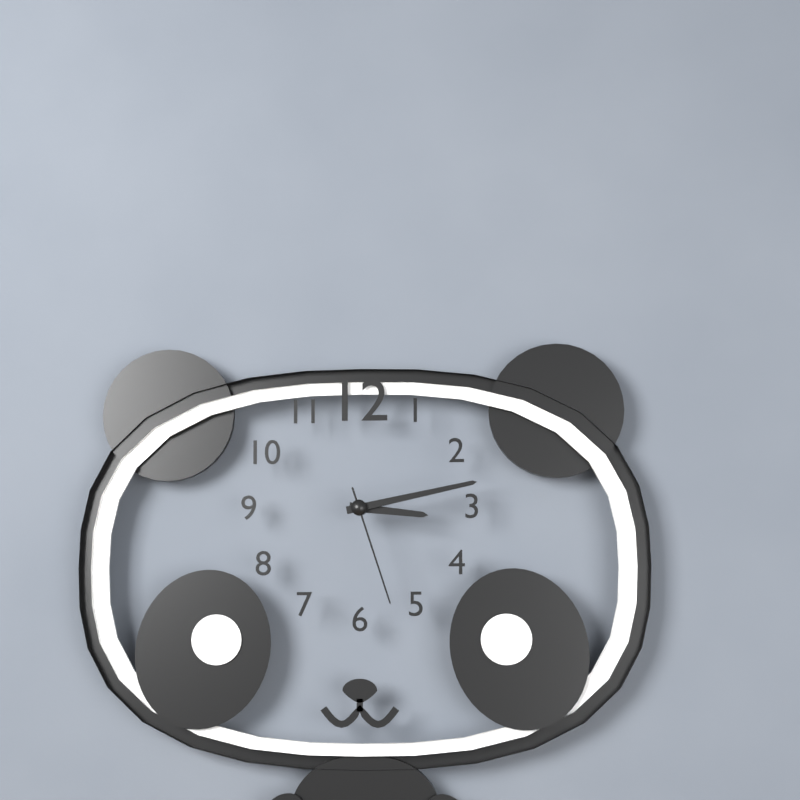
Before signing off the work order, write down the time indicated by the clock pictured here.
3:13:27
